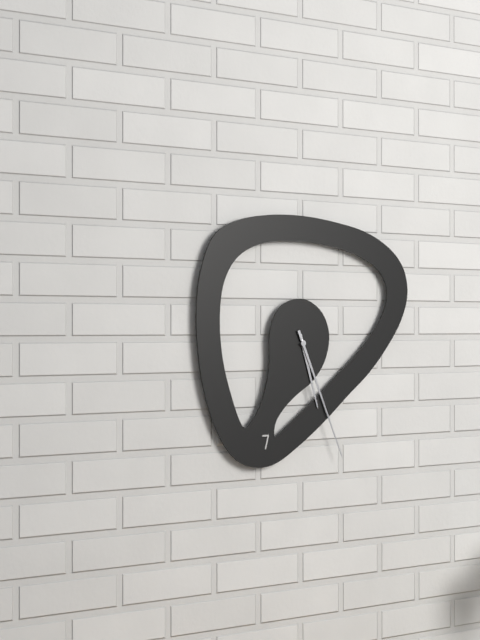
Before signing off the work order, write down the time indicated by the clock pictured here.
5:26
